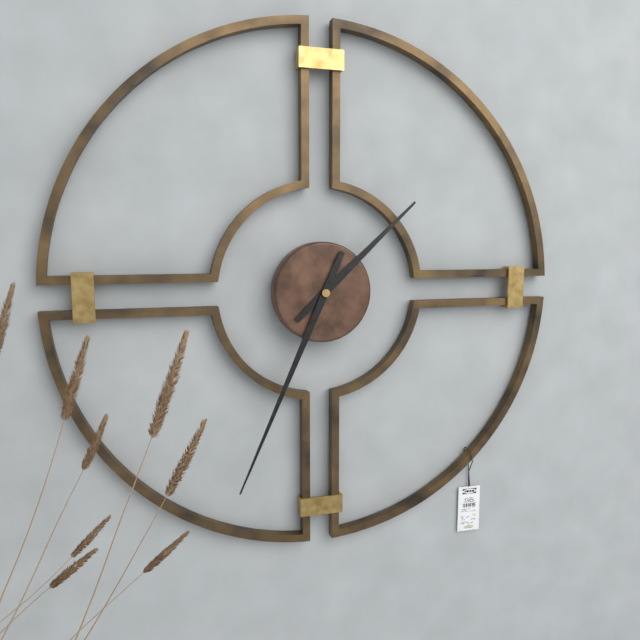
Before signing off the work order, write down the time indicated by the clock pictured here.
1:34
